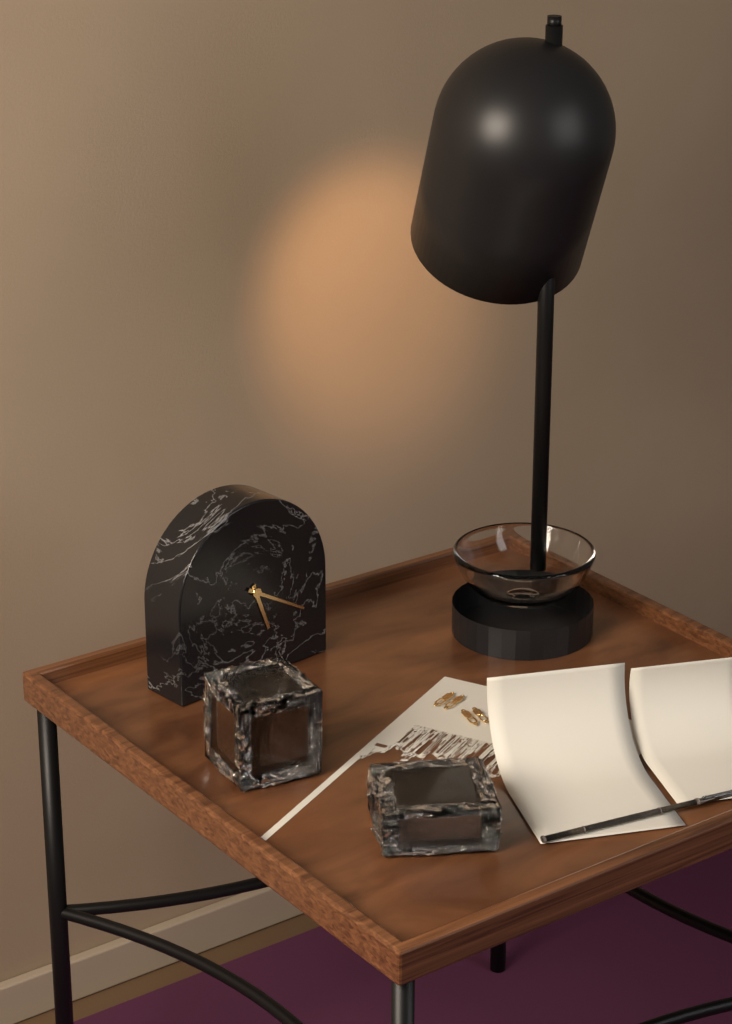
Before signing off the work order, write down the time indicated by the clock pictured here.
5:20
